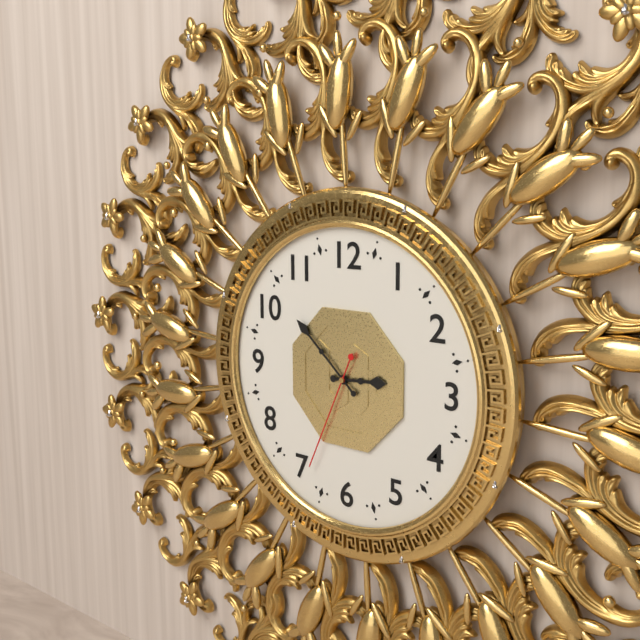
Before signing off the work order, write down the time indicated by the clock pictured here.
2:52:34
